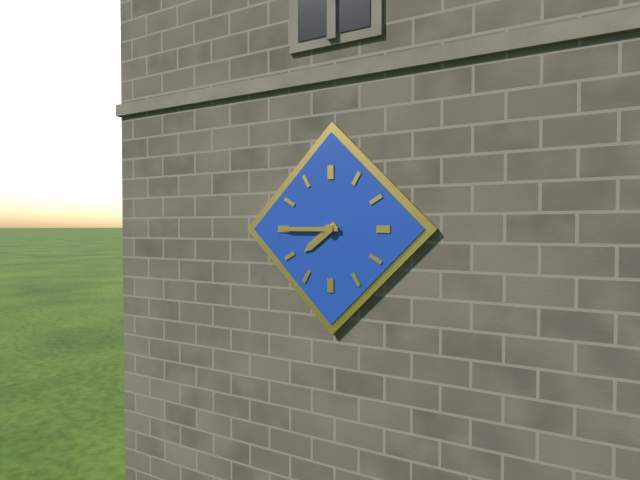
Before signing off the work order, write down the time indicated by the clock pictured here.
7:45
